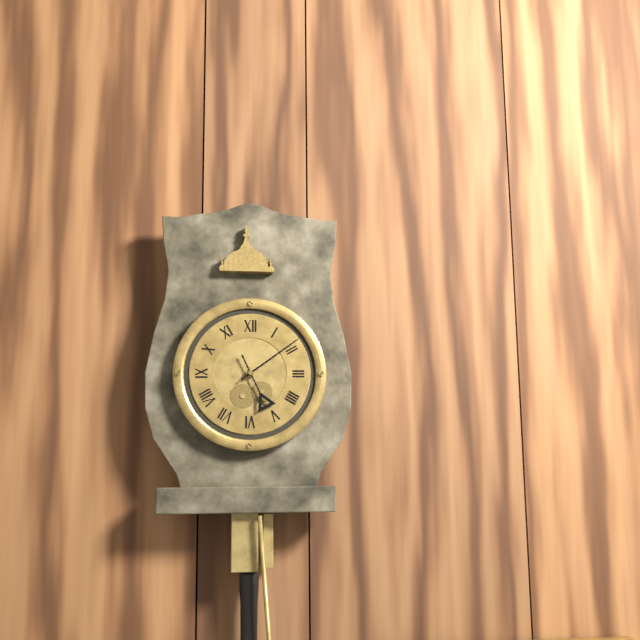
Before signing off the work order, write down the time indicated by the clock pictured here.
5:09
